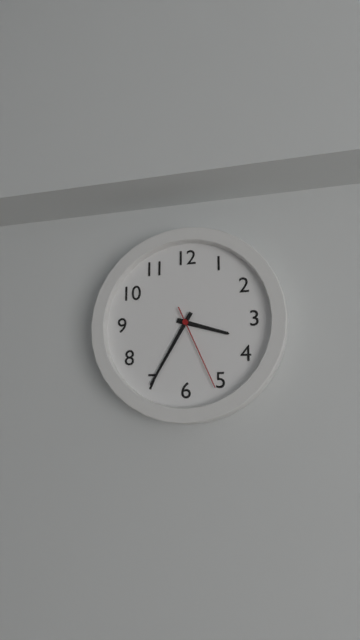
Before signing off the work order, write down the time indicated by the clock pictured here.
3:35:26
